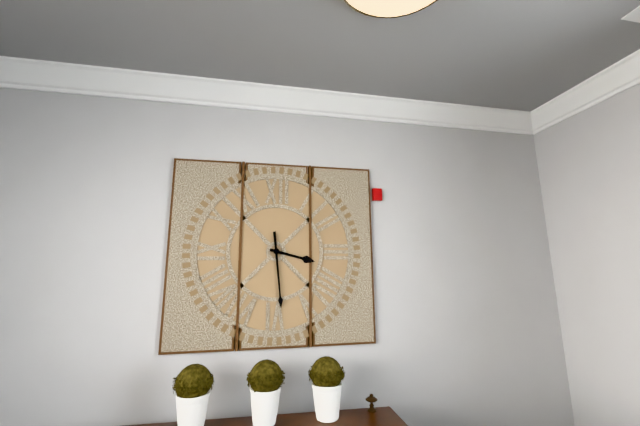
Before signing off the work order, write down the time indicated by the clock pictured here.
3:29
